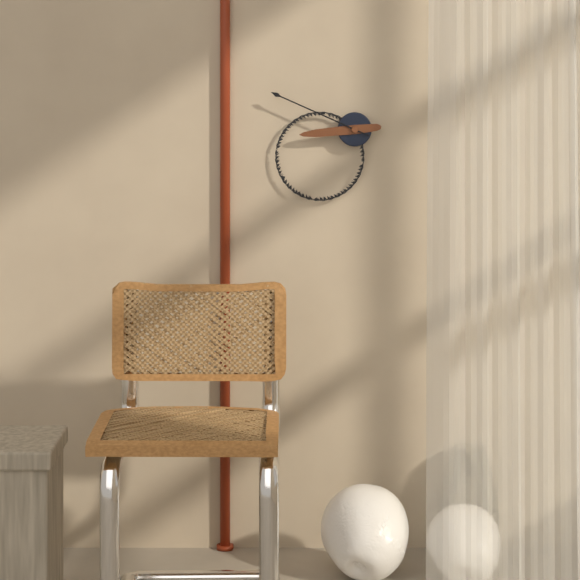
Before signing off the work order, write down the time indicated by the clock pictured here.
8:49
